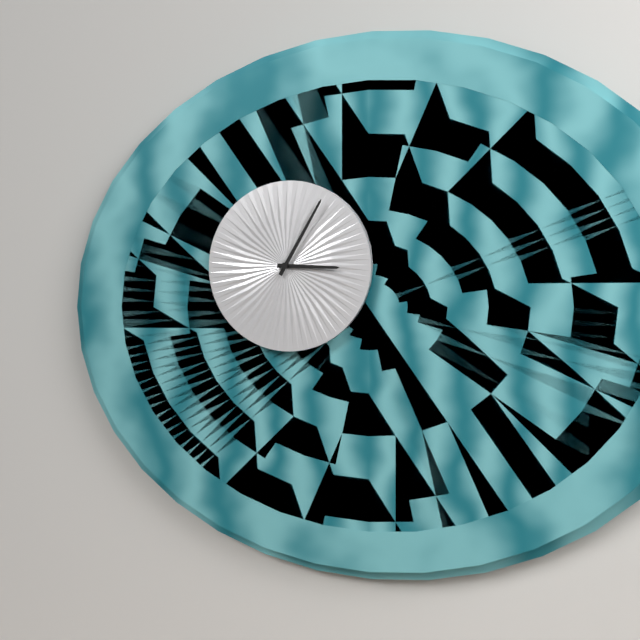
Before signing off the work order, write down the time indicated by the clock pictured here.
3:05
